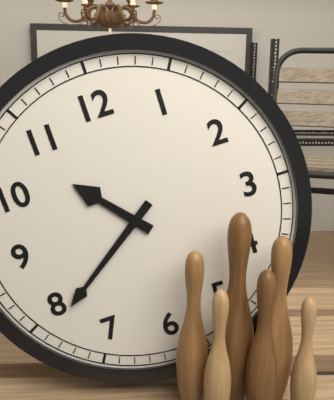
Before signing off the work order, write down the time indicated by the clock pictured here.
10:39
